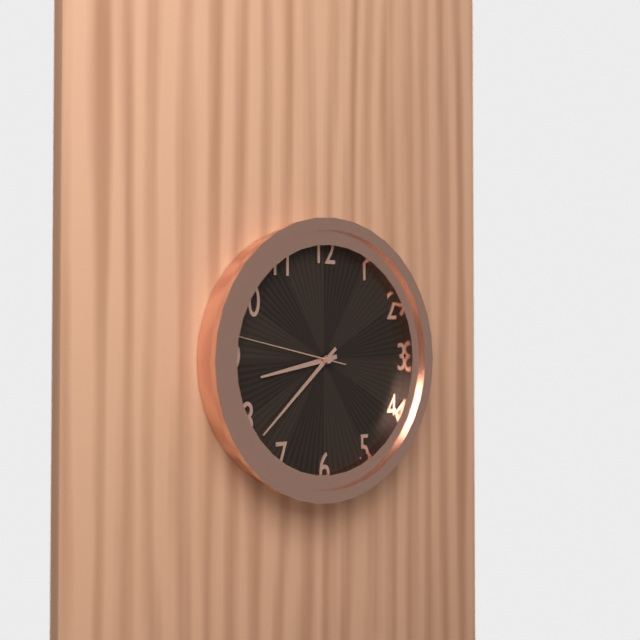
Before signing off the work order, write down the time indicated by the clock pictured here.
8:38:47
